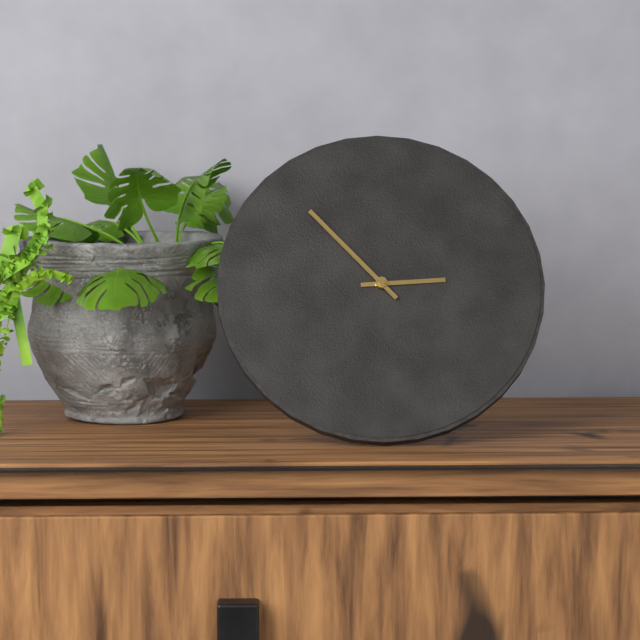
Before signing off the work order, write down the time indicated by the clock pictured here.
2:53
